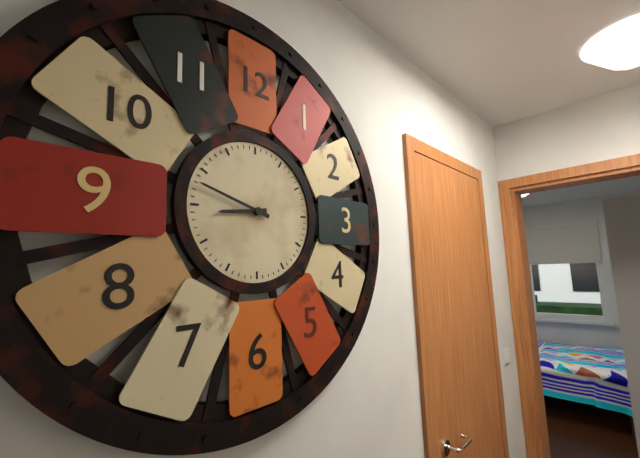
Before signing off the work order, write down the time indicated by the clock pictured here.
8:48
